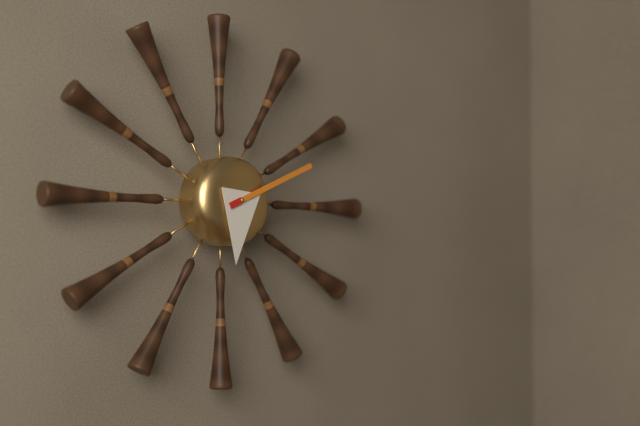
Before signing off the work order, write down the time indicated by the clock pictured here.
6:11
